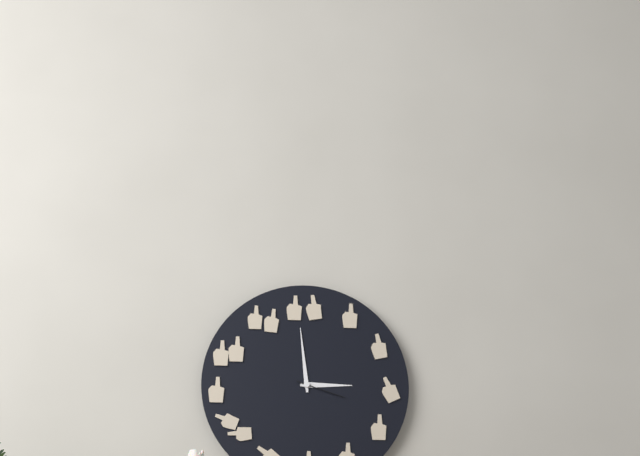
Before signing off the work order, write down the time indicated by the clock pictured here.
2:59:18
